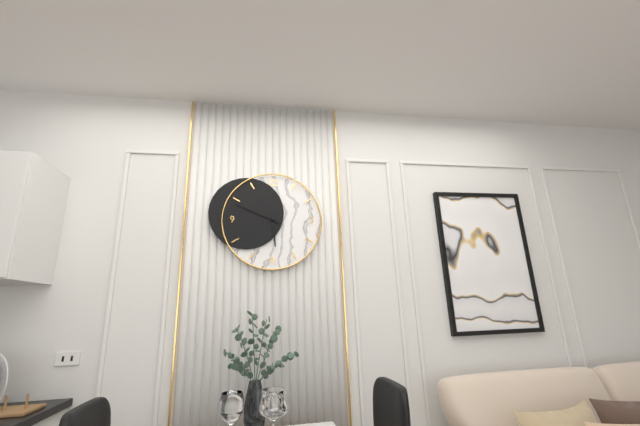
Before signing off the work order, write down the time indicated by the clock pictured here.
5:49
